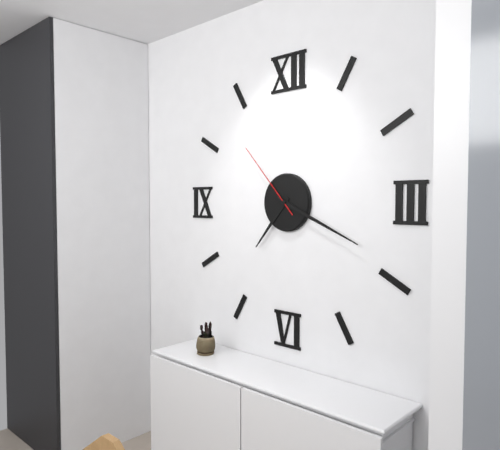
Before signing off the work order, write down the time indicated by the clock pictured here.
7:19:53
